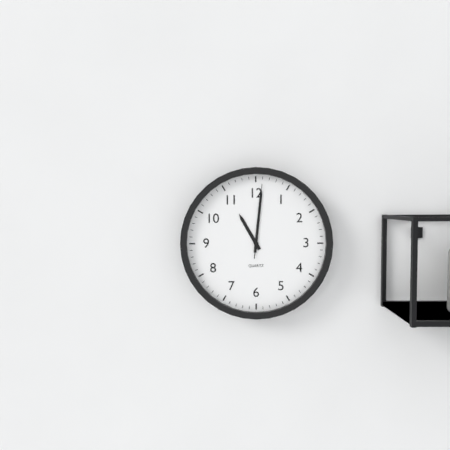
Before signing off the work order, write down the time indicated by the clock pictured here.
11:01:01
